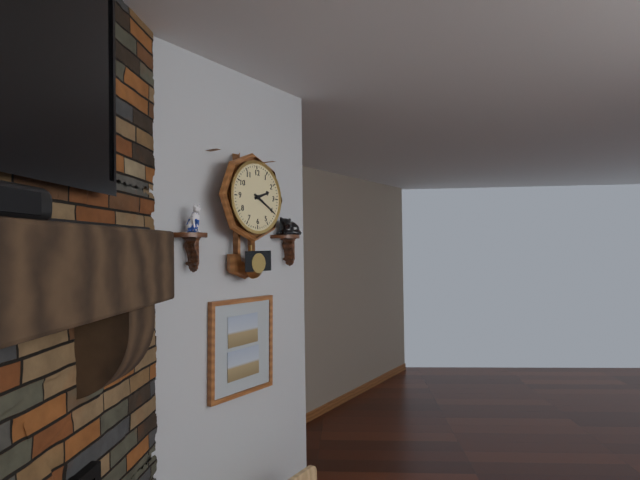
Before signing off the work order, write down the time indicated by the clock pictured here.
2:20
